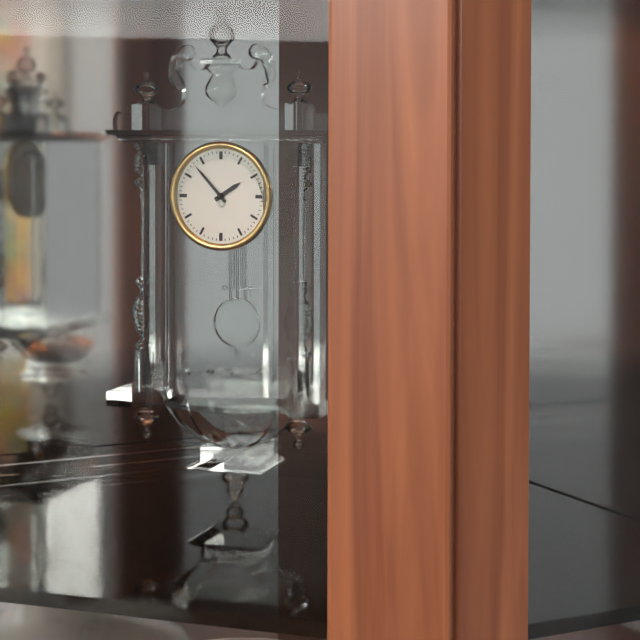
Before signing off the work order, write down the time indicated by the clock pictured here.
1:53
